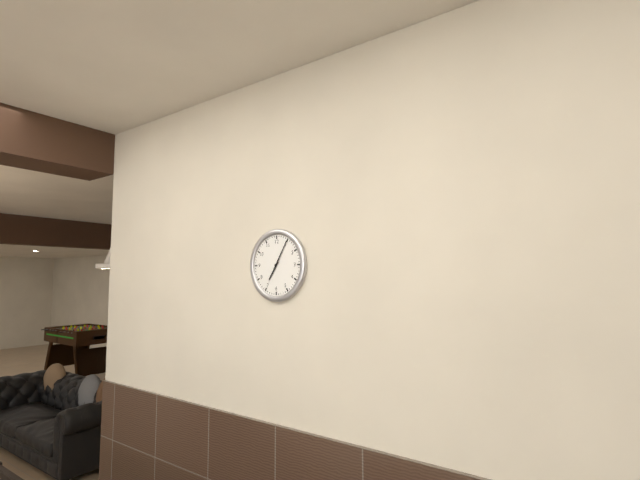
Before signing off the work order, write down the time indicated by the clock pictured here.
7:05
